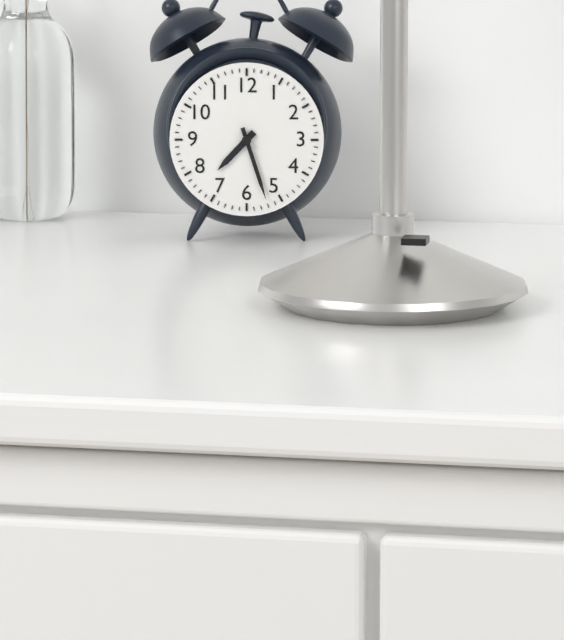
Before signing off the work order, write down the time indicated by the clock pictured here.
7:27
